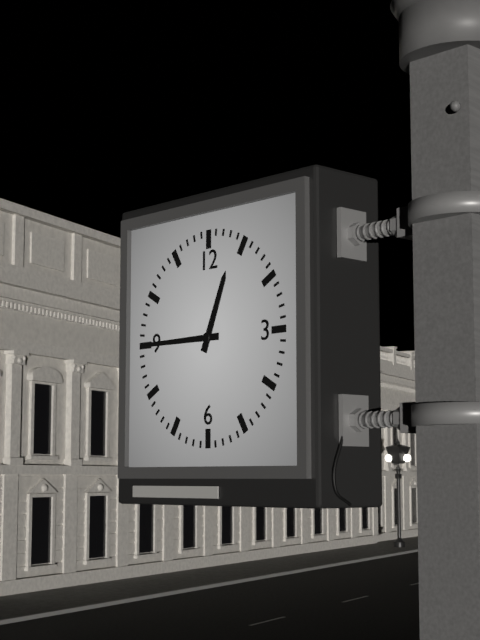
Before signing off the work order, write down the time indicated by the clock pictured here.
12:45
